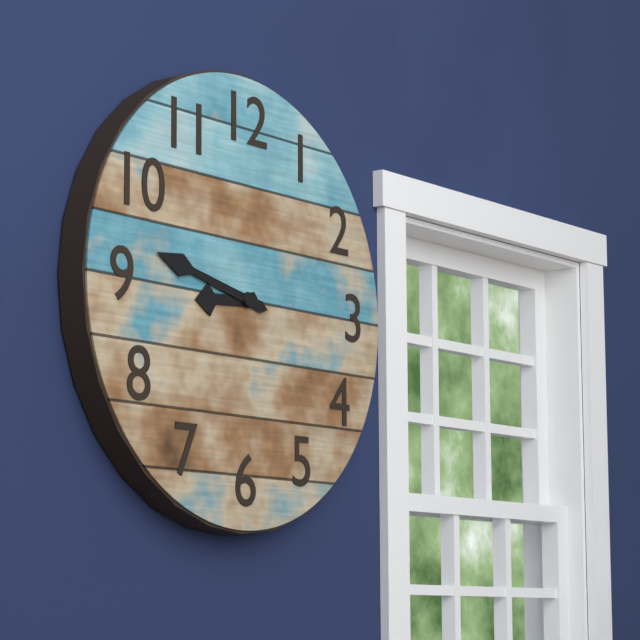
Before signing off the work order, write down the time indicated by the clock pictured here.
8:47
